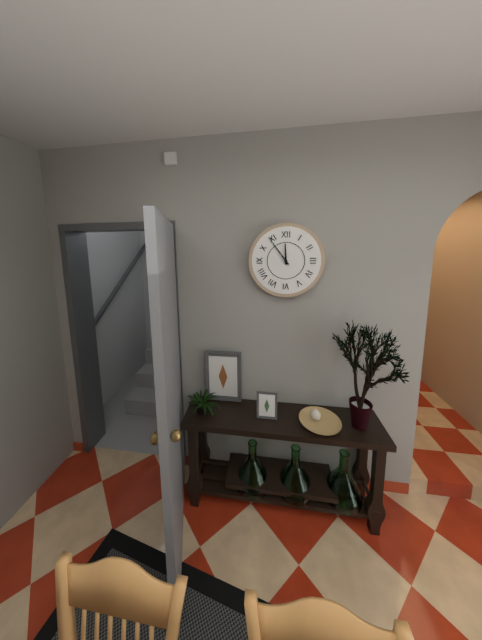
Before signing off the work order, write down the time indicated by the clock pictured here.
11:54
